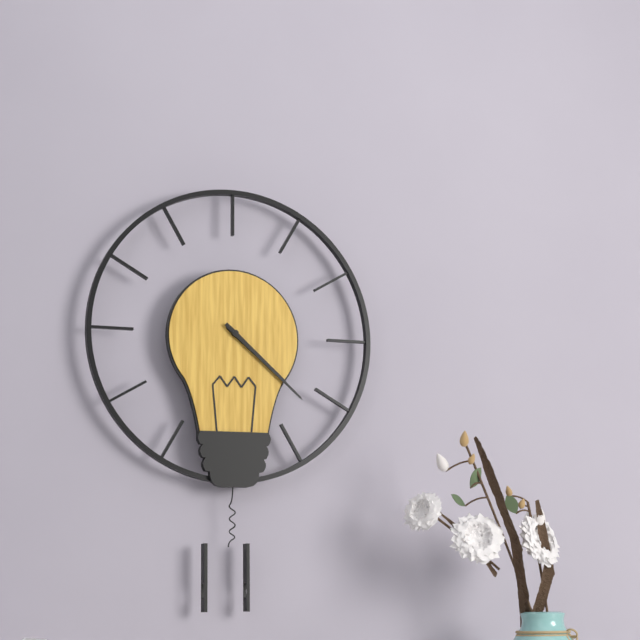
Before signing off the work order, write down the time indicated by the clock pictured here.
4:22
